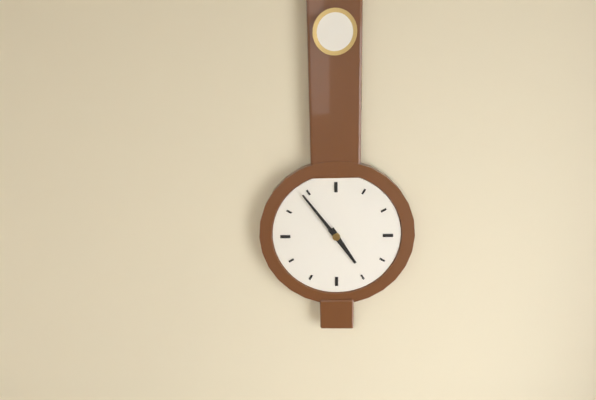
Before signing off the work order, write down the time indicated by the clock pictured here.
4:54
